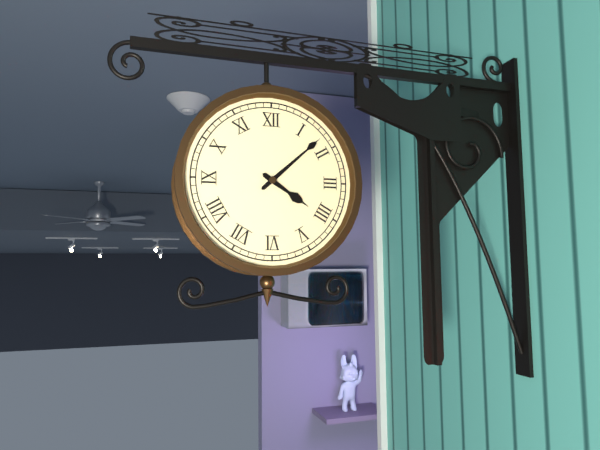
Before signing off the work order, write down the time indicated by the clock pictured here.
4:08
